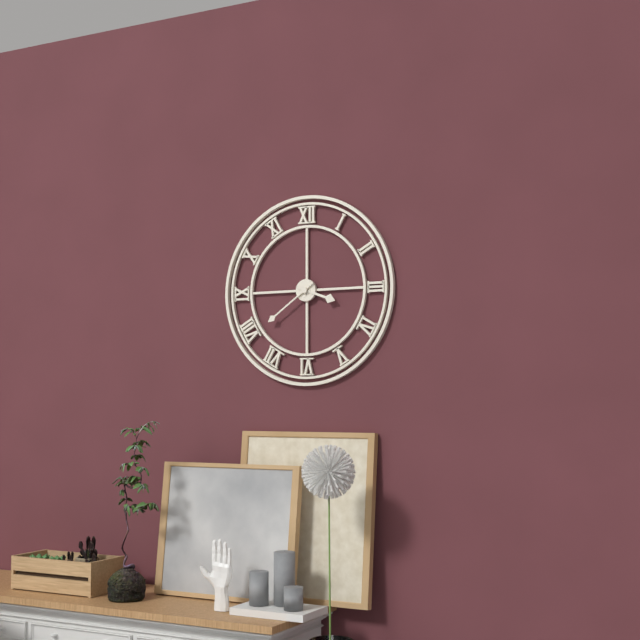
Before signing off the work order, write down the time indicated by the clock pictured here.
3:39
